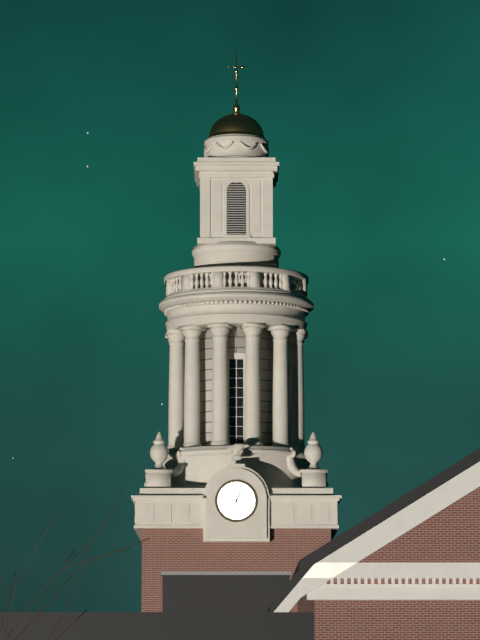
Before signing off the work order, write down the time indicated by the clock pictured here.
12:51
